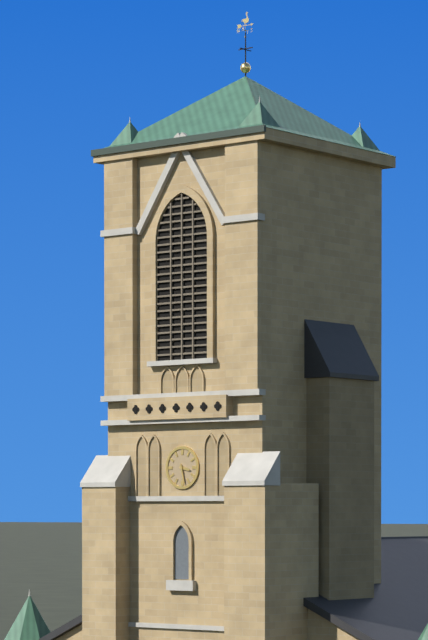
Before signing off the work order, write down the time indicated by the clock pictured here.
3:28
